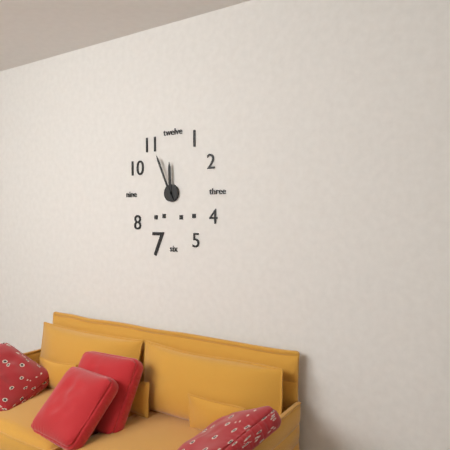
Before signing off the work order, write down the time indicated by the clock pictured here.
11:56
